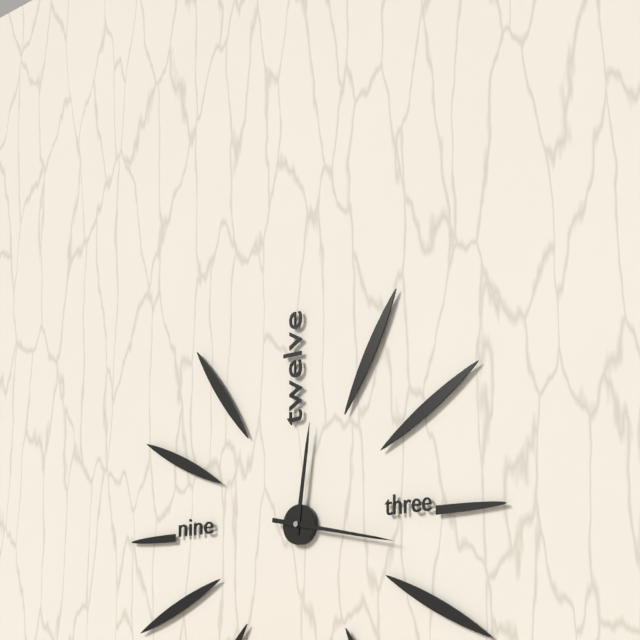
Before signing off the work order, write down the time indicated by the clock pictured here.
12:17
